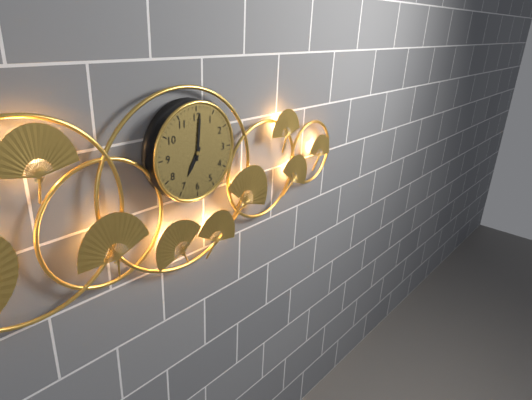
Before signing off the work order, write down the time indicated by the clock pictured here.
7:01
